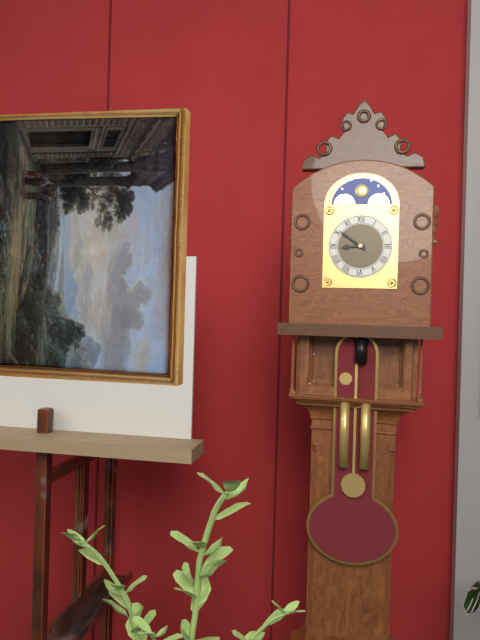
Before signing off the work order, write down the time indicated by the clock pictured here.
8:51
